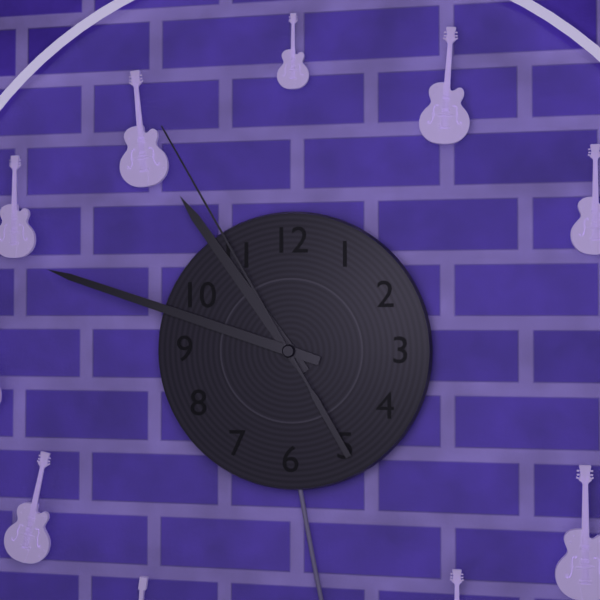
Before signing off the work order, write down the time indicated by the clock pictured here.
10:48:55
